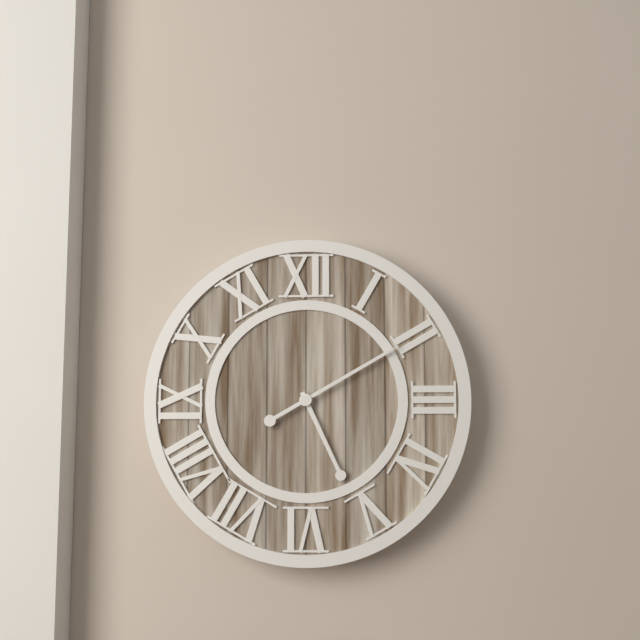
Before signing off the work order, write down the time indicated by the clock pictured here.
5:10
